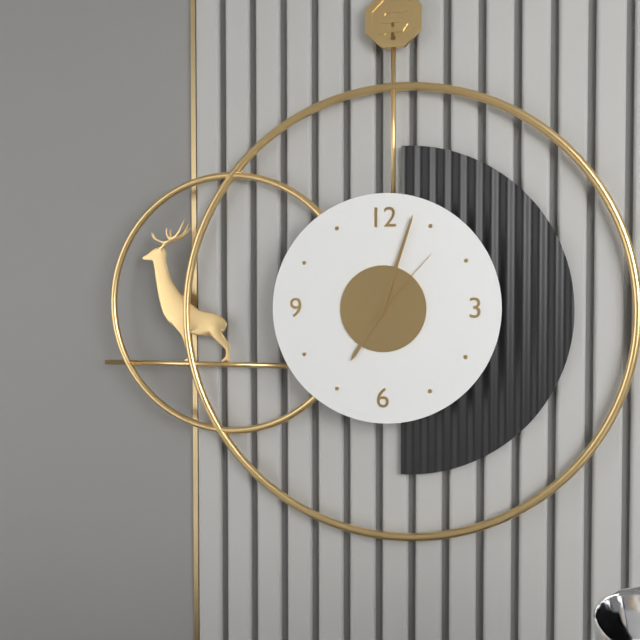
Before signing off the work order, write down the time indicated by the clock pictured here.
7:03:07
